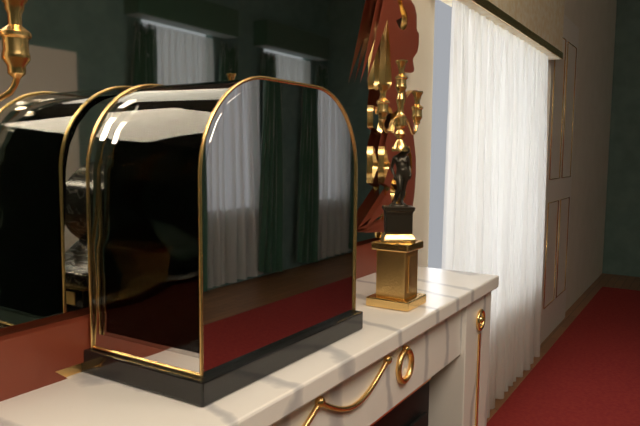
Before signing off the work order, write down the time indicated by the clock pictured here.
1:56
